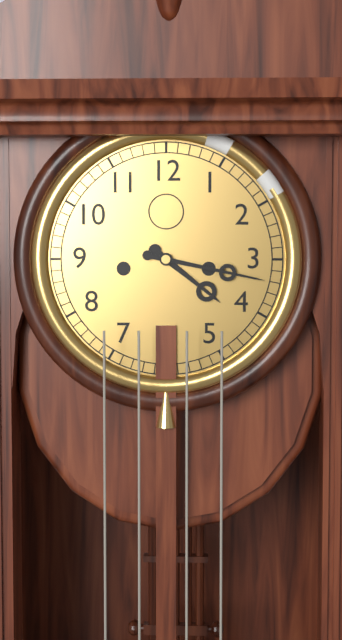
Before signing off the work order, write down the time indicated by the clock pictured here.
4:17
